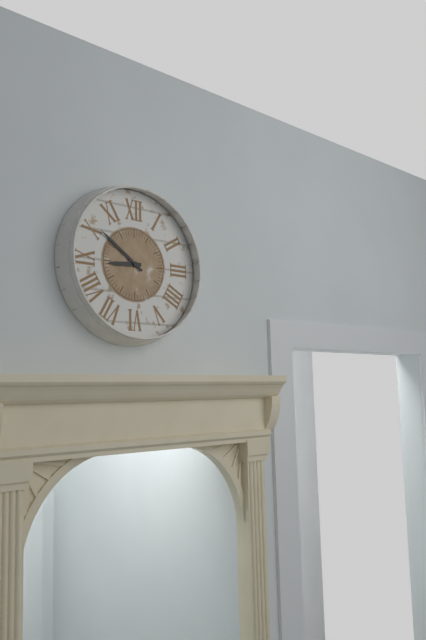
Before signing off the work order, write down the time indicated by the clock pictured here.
8:51
